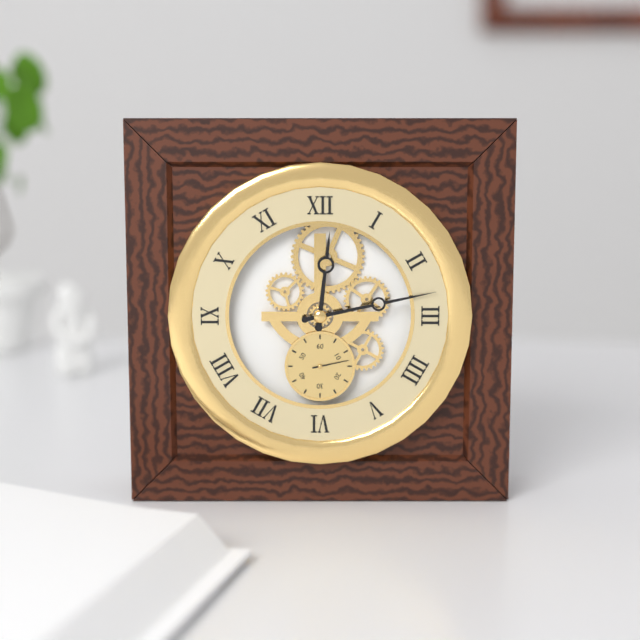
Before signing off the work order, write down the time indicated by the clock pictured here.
12:13
